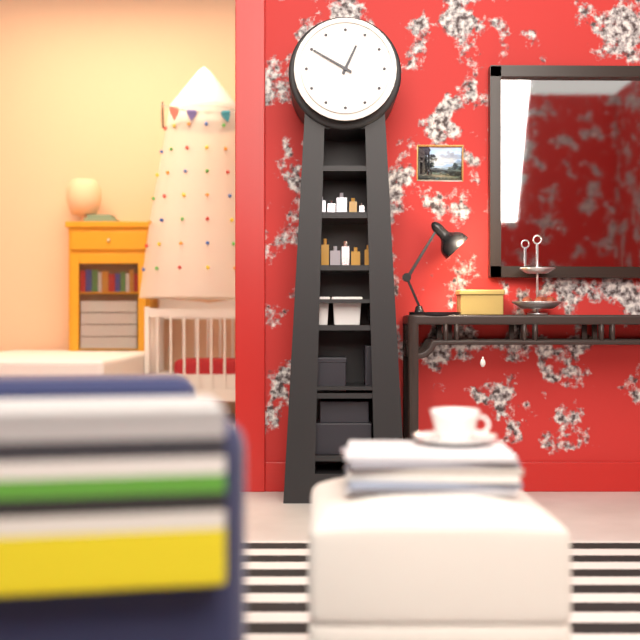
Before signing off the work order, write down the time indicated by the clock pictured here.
12:50
